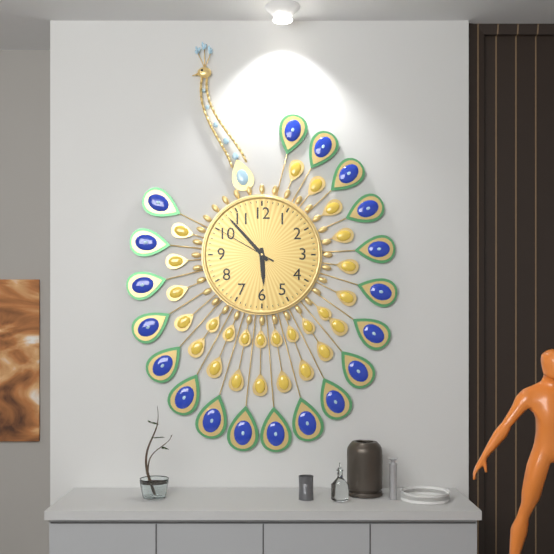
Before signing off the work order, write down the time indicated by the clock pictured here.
5:53:50
